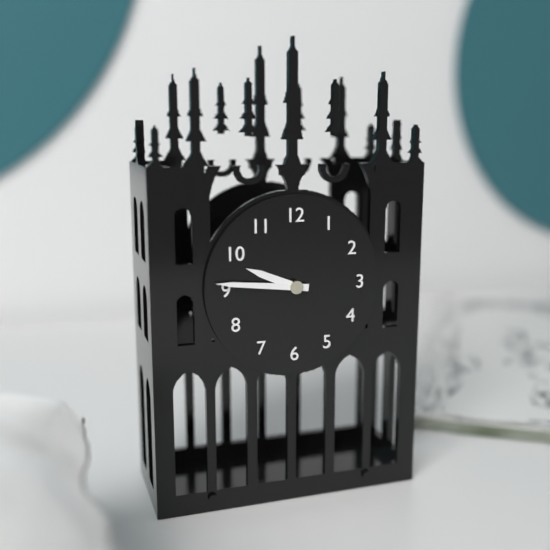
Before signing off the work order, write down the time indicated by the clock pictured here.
9:46
